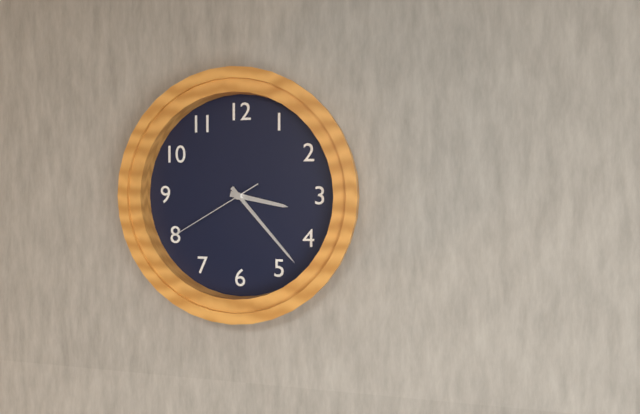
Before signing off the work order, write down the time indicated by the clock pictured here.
3:23:40
